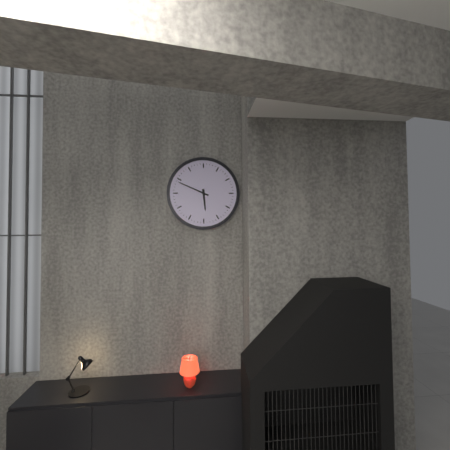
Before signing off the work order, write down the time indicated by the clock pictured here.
5:49
